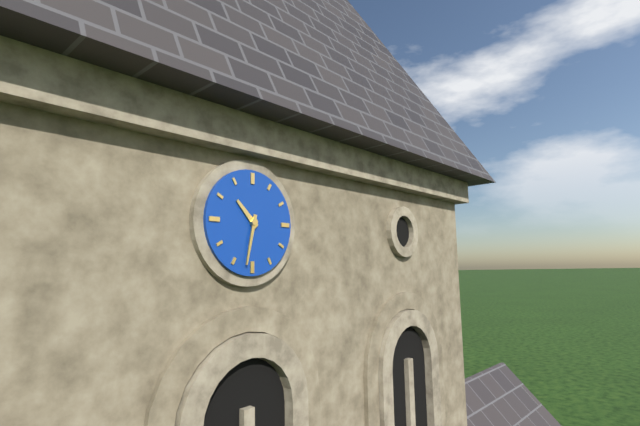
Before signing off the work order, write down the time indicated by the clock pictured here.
10:32
